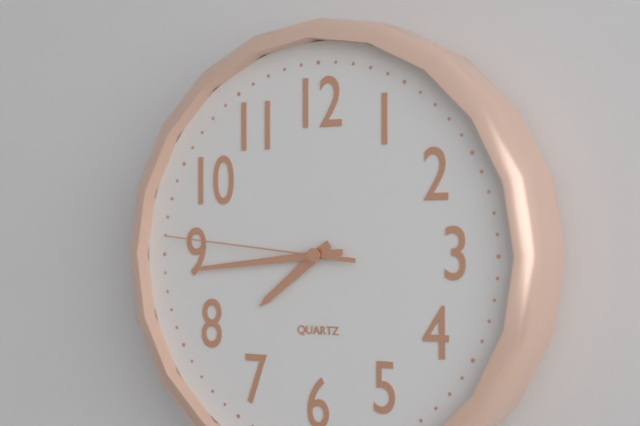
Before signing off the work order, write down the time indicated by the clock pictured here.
7:44:46
